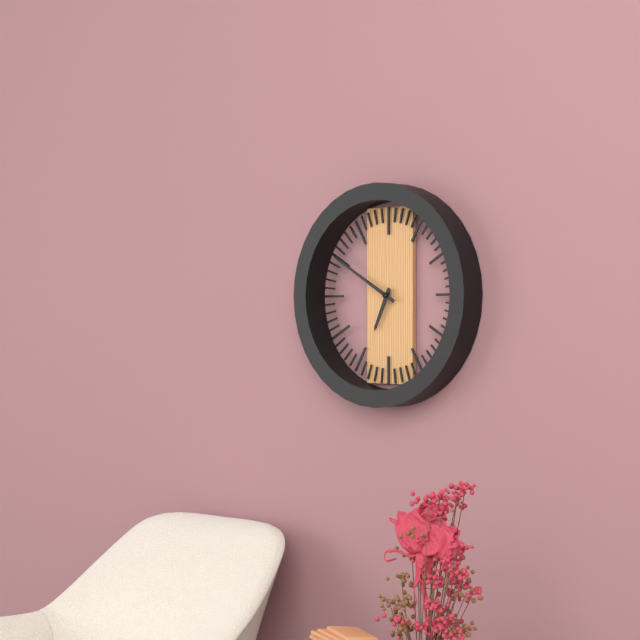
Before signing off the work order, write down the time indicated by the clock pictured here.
6:50
